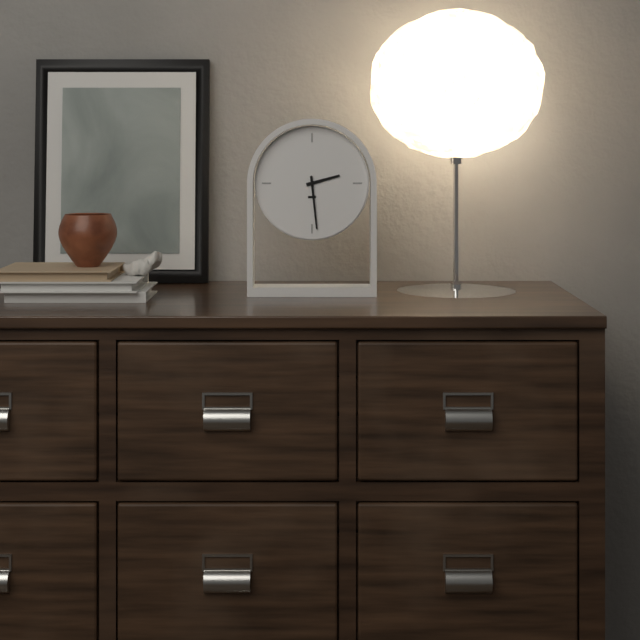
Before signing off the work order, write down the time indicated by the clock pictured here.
2:29
